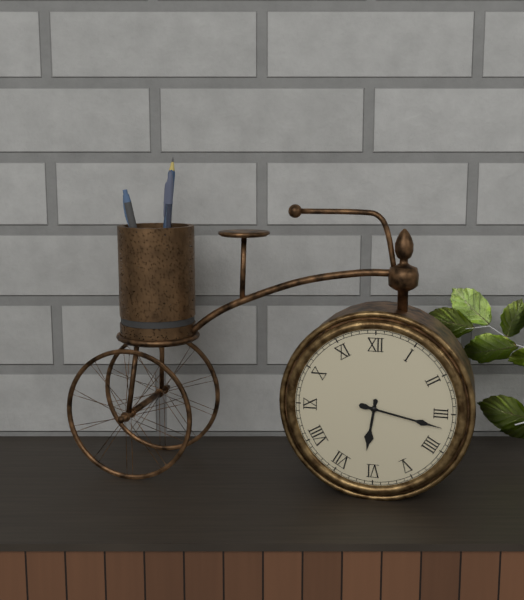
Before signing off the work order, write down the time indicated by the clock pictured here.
6:17
